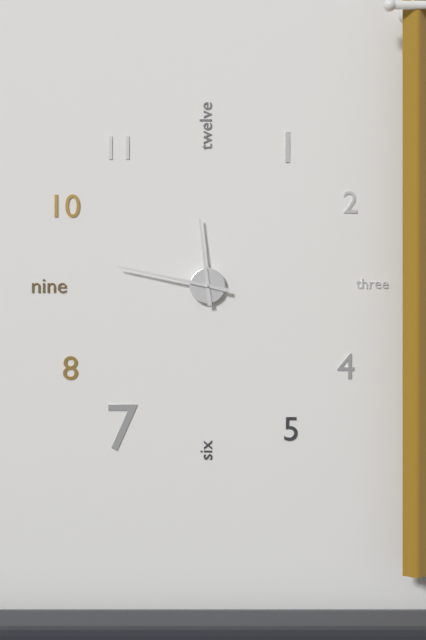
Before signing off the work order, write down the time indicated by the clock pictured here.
11:47
